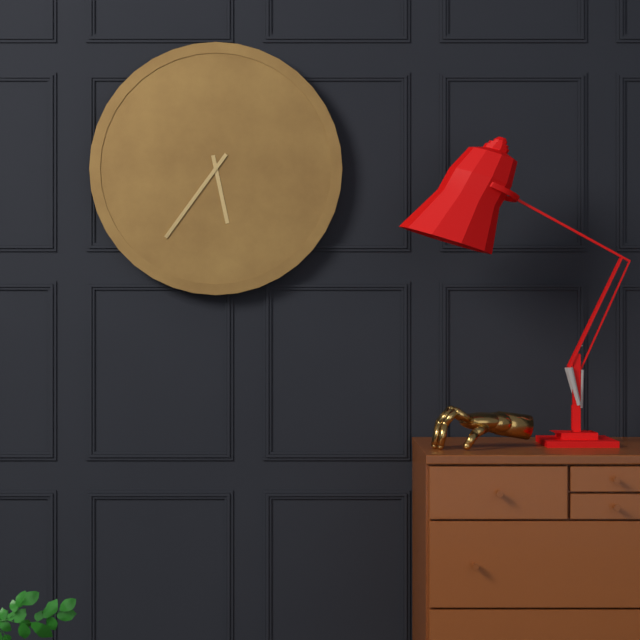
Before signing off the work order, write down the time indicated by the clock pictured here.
5:36
